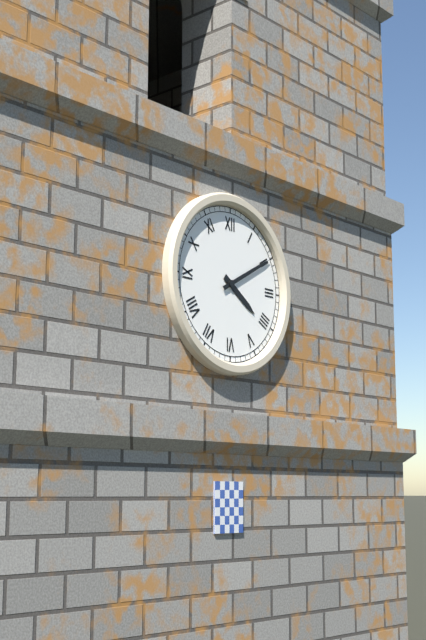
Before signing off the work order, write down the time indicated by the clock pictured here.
4:10
